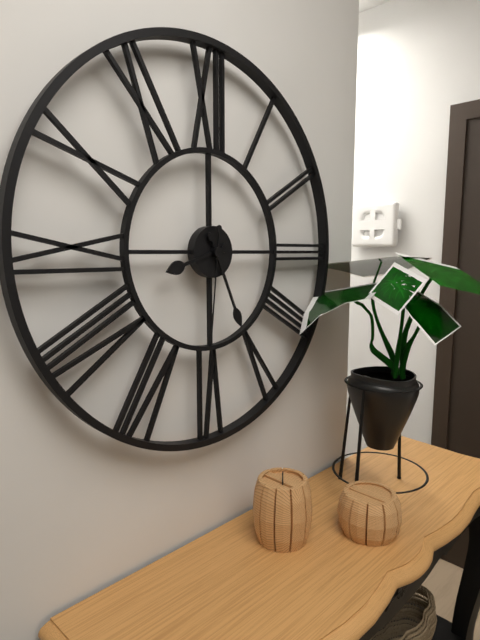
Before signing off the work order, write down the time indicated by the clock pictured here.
8:26:31
